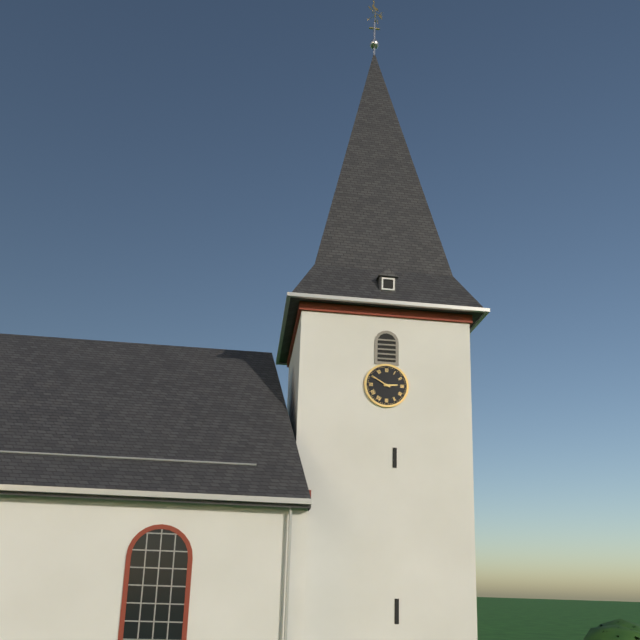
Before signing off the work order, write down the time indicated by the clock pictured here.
2:50
